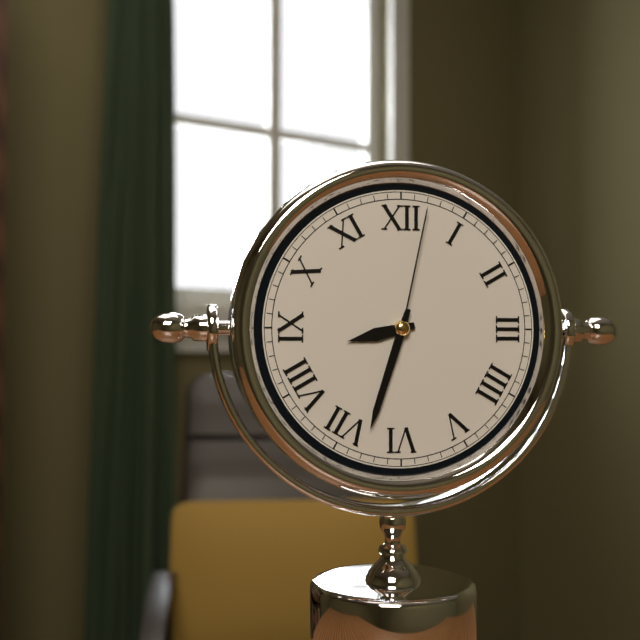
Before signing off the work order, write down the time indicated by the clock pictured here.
8:33:02
